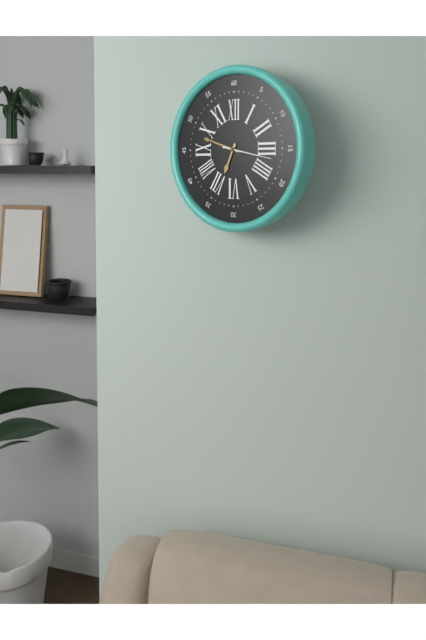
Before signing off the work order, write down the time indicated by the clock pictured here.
6:48:17
